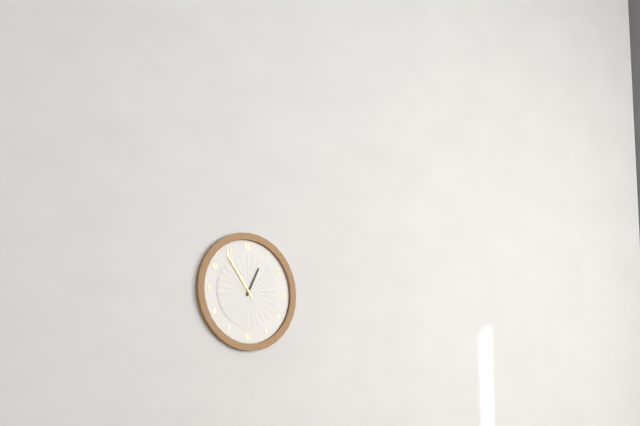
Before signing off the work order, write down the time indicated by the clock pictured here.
12:54
